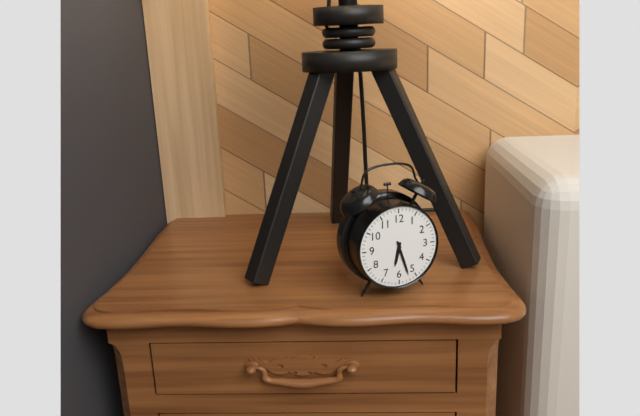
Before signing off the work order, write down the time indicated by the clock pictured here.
6:27
